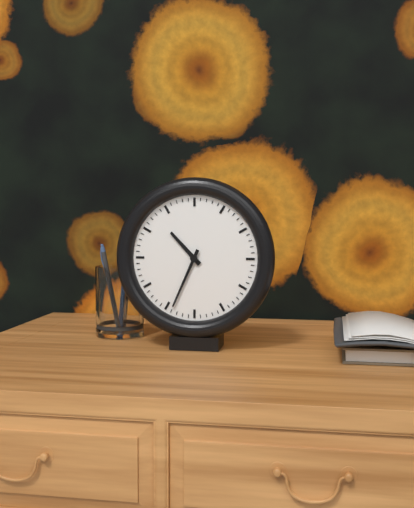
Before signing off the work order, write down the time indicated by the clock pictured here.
10:34
